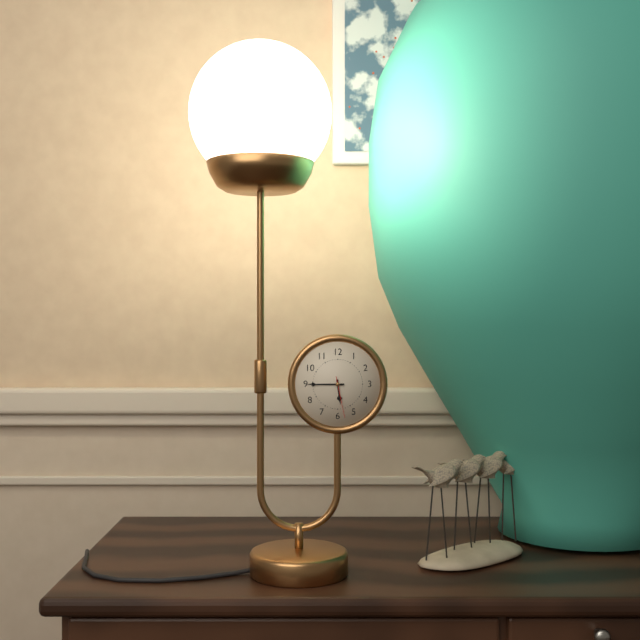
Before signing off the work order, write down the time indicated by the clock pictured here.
5:45
